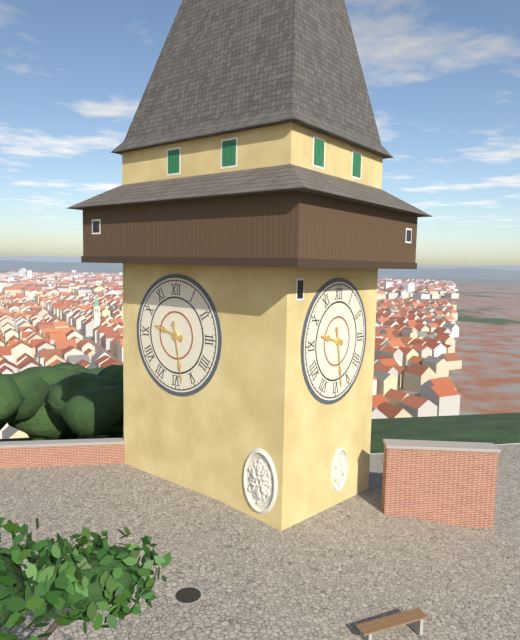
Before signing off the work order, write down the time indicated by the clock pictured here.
9:28
